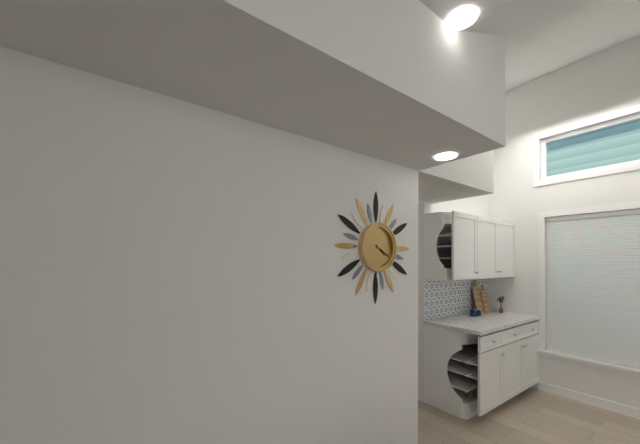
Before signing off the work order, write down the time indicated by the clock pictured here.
4:20
